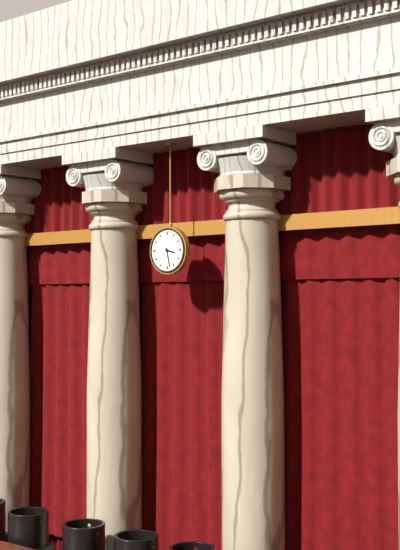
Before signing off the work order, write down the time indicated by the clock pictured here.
3:28
